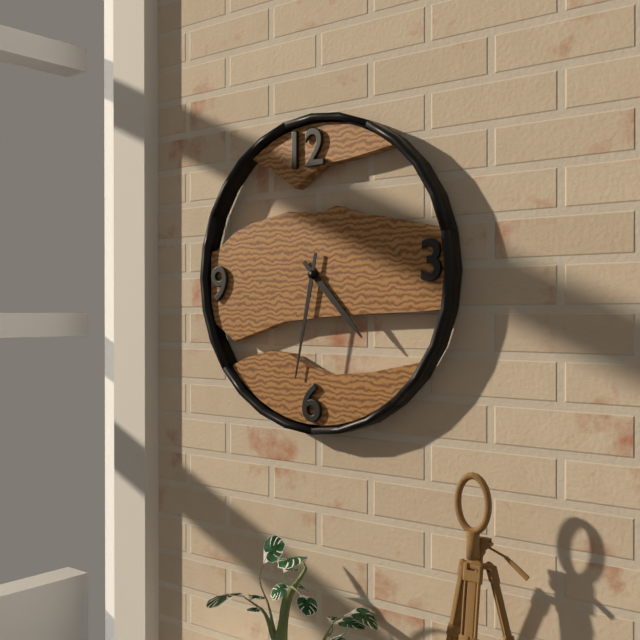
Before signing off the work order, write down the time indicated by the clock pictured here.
4:32
